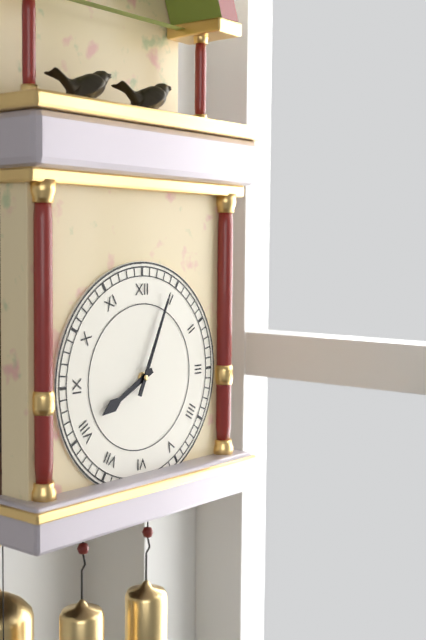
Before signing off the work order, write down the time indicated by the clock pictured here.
8:04
